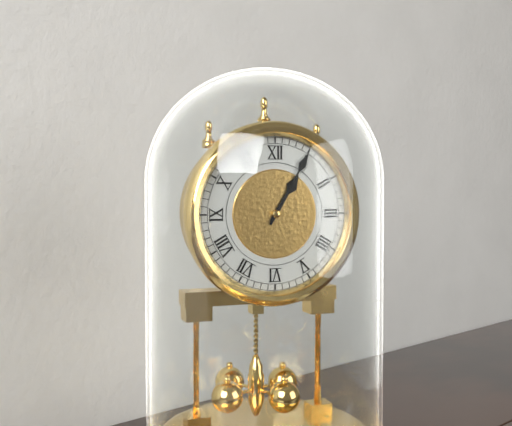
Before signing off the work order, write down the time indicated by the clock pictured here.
1:05
